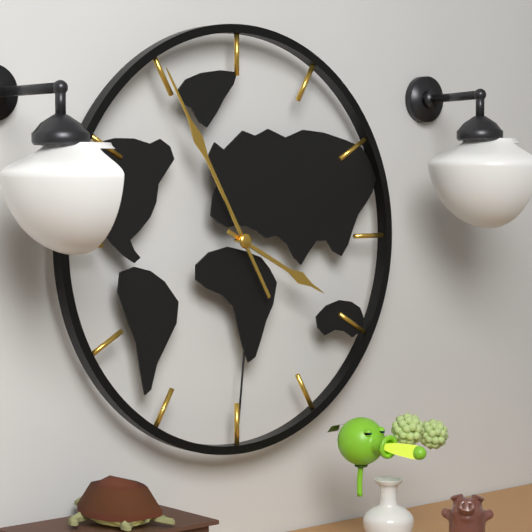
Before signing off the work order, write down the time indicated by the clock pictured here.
3:55
